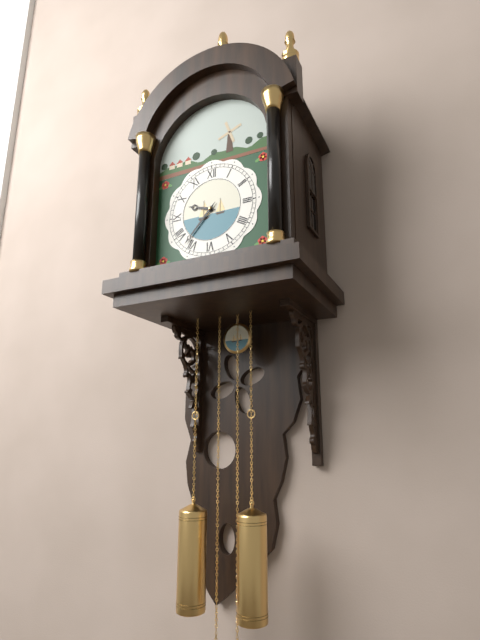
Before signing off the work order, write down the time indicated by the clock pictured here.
9:37
